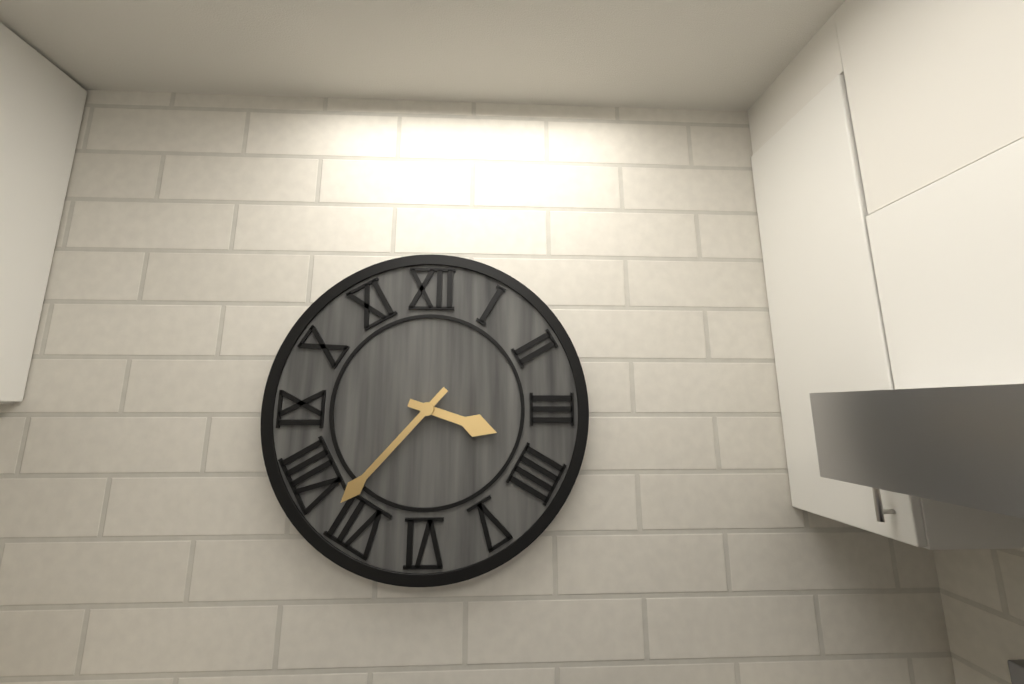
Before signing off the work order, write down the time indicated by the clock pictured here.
3:37
